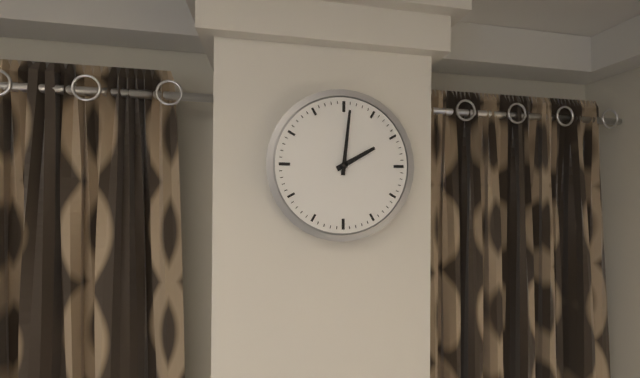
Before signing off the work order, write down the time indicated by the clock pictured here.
2:01
